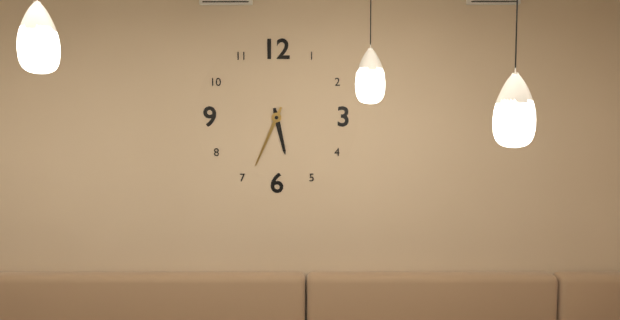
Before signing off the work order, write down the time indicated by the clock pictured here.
5:34
